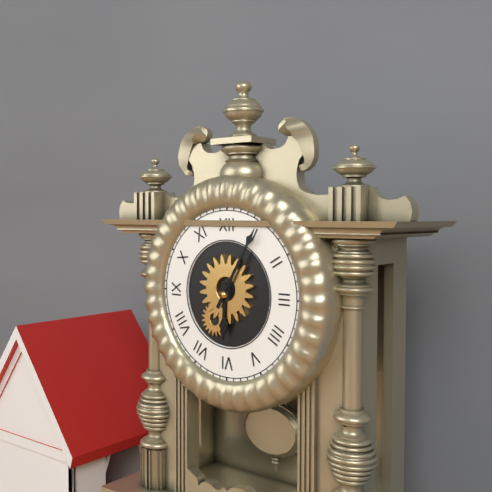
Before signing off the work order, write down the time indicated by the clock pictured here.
6:05
